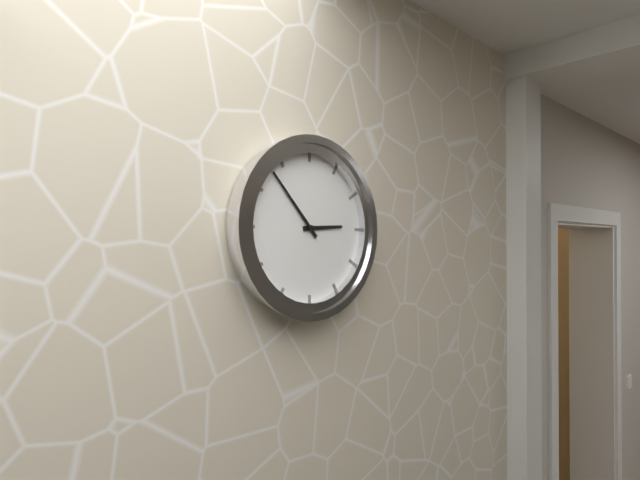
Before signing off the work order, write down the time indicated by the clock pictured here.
2:53
